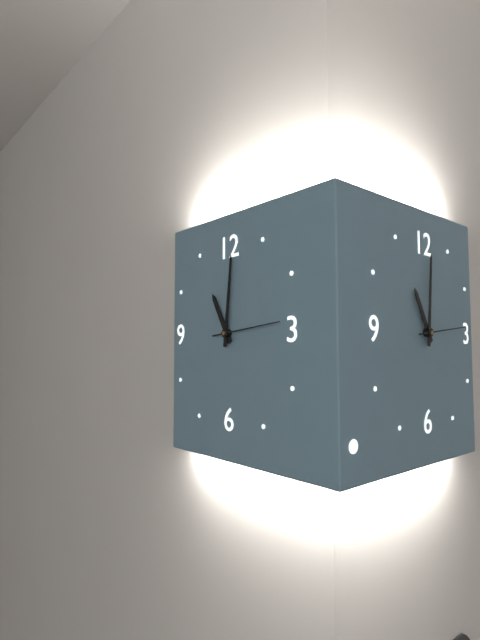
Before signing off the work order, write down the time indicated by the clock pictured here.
11:01:14
